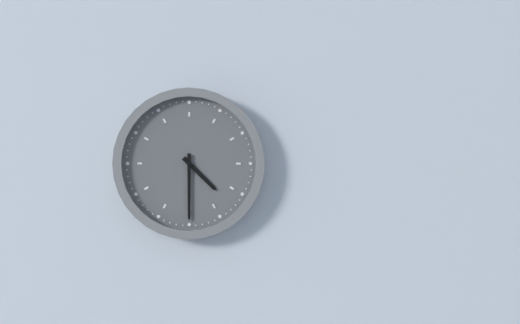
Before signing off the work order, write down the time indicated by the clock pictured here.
4:30
